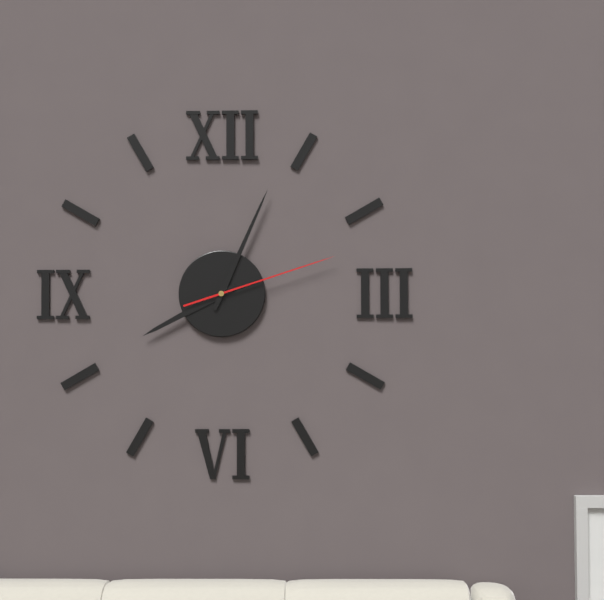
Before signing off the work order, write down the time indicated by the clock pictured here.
8:04:12
